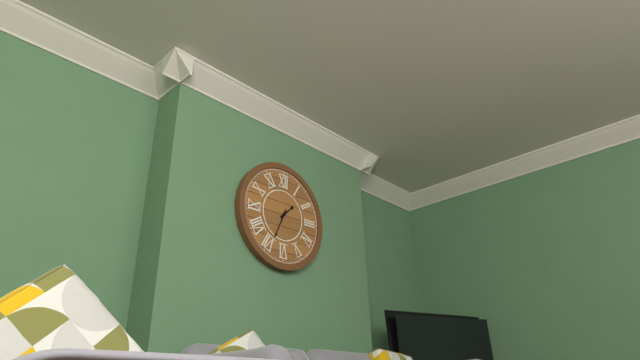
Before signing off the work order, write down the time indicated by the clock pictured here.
1:34
